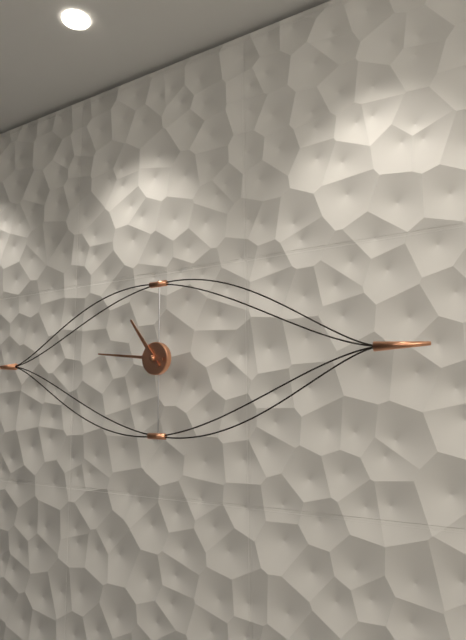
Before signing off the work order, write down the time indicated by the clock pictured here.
10:46
